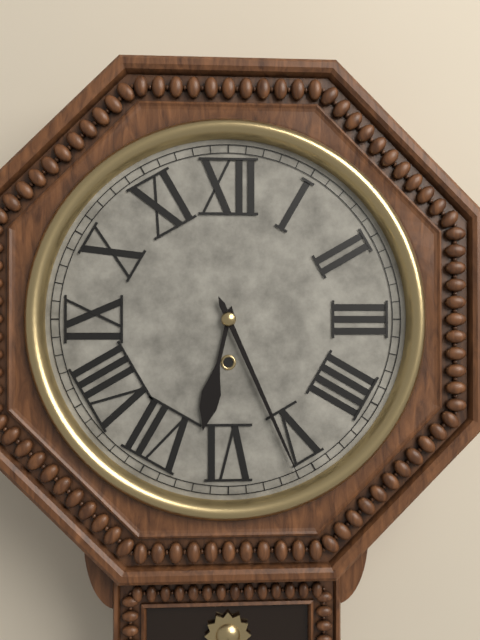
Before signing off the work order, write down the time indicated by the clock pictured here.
6:26
